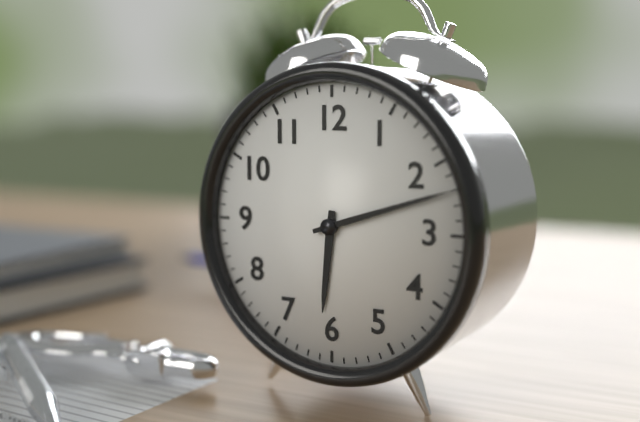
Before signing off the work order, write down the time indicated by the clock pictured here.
6:12
